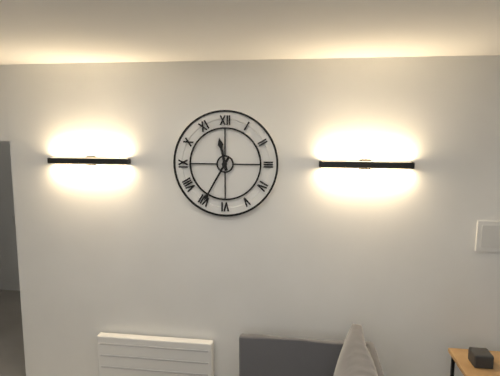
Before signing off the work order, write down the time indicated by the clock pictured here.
11:35
